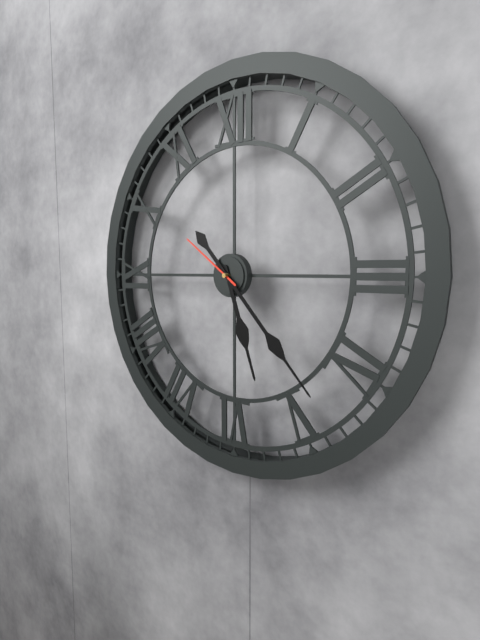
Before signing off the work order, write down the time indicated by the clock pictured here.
5:23:51
